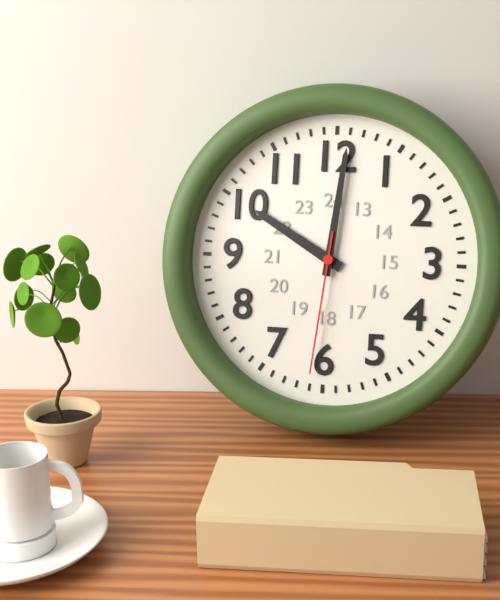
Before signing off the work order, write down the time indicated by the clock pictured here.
10:01:31
